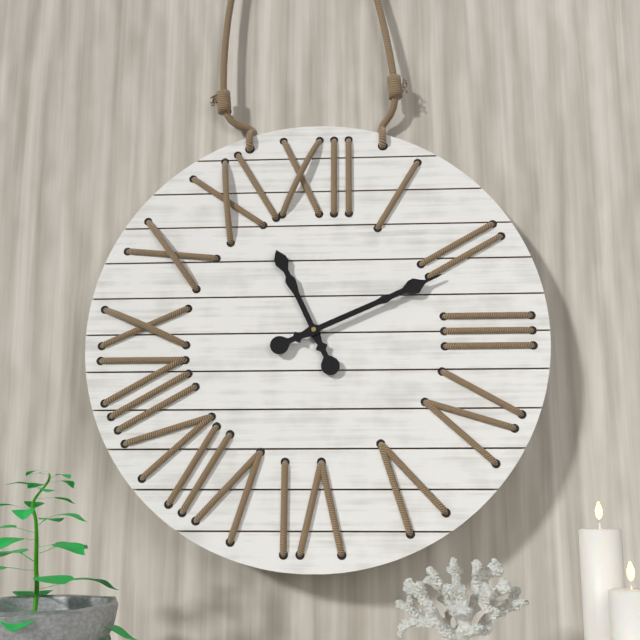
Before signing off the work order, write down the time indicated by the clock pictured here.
11:11
